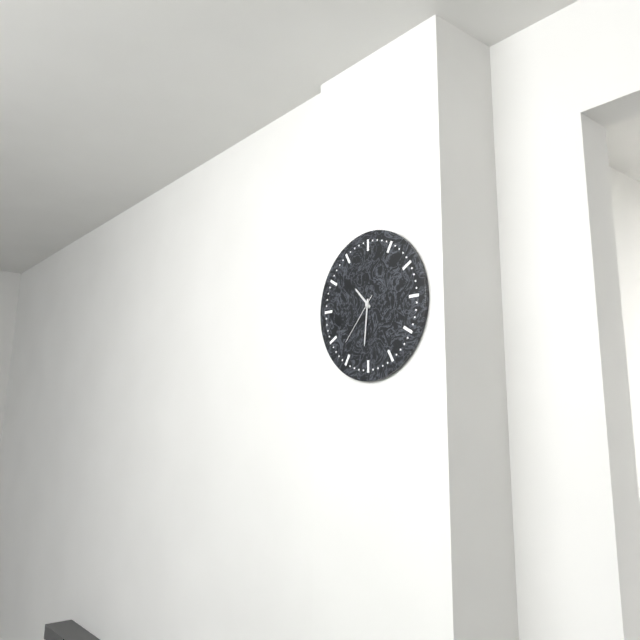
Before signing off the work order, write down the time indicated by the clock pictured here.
10:31:37
